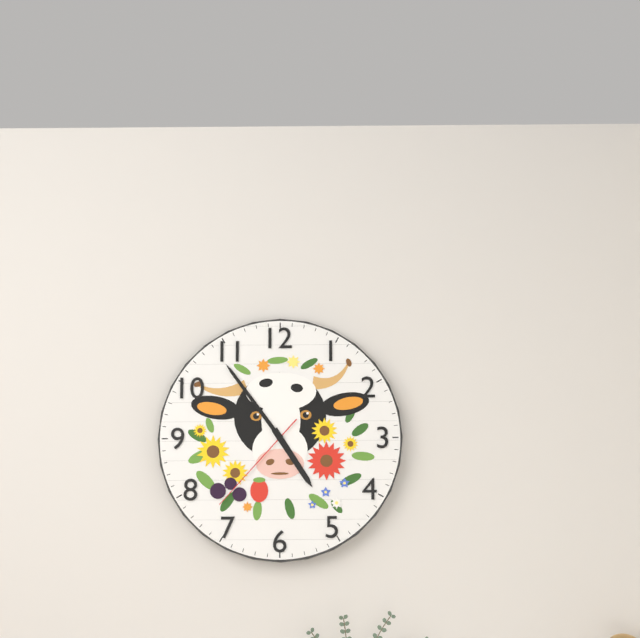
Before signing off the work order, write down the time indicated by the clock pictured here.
4:54:37
